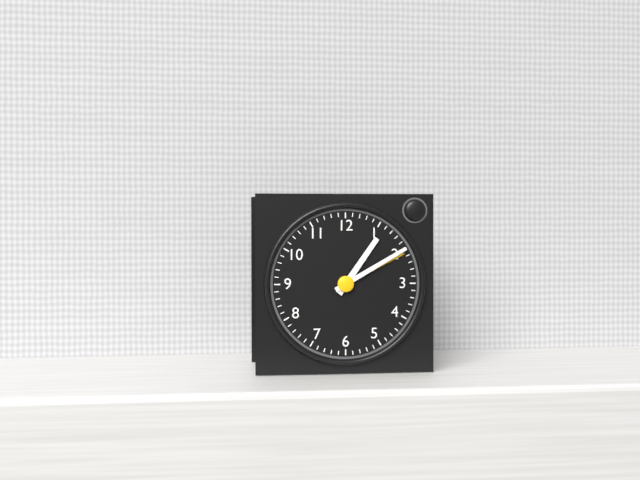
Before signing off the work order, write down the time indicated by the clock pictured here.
1:10
